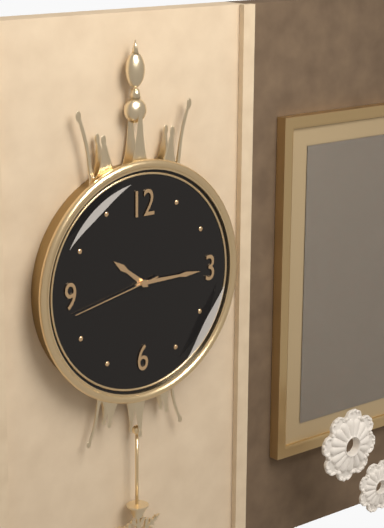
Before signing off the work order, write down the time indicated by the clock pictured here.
10:15:43
